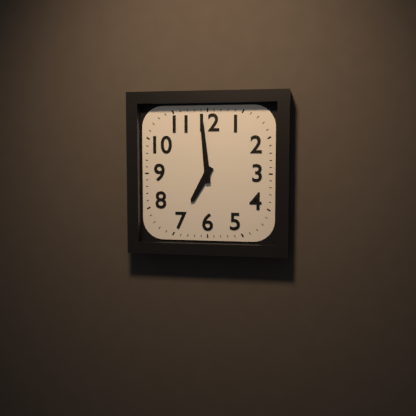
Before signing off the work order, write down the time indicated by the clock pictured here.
6:59
